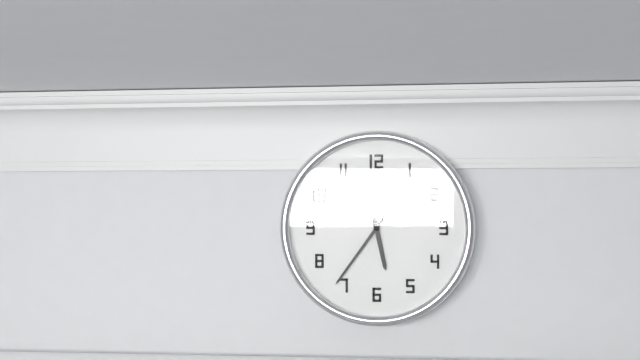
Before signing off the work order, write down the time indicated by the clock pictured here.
5:36
